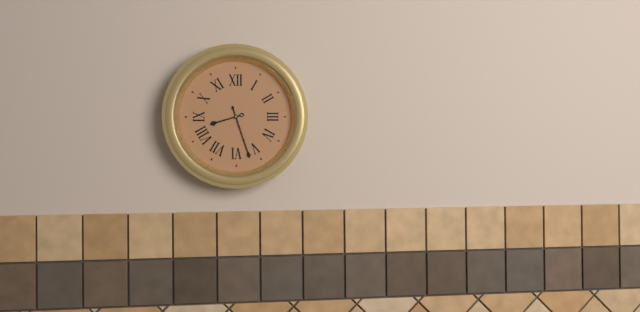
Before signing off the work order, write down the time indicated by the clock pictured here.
8:27
